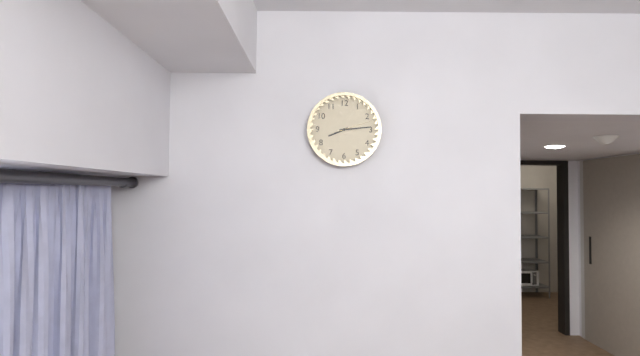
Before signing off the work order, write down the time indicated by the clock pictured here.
8:14
